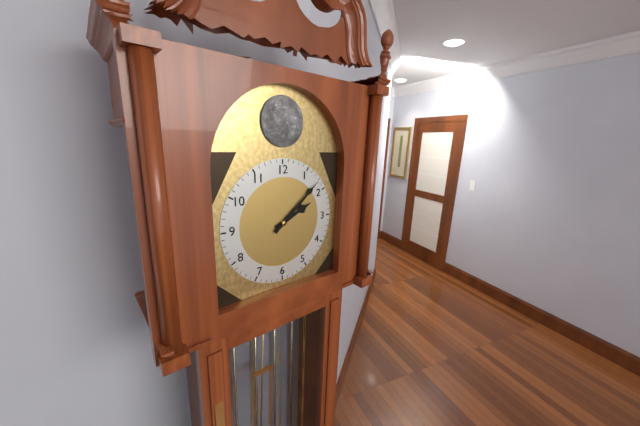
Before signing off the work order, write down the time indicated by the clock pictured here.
2:08
